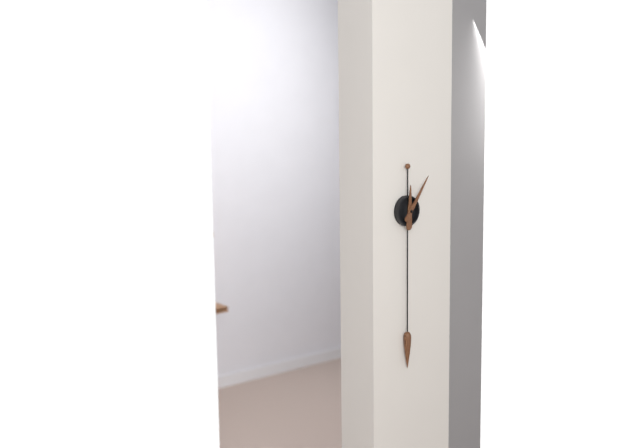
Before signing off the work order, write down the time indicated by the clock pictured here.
12:06
